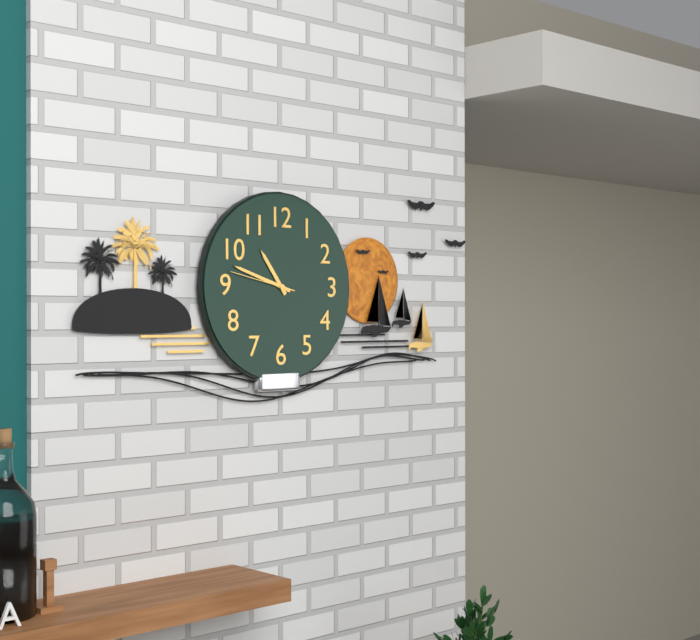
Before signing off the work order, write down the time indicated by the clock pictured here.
10:48:47
